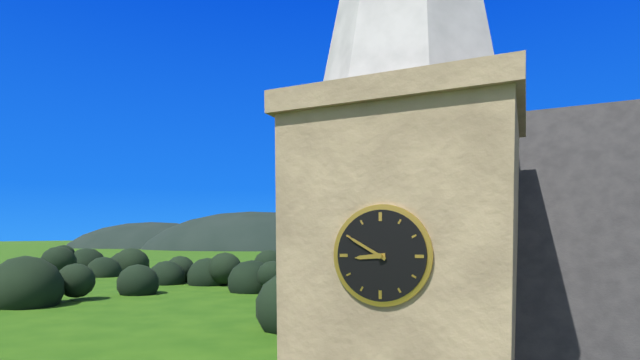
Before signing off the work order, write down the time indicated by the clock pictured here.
8:50
